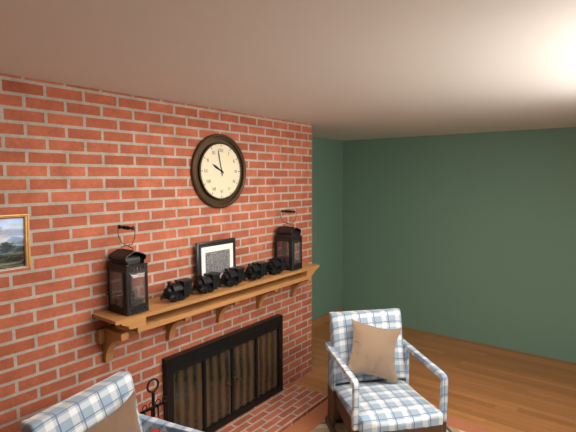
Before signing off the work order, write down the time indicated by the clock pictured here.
9:58
